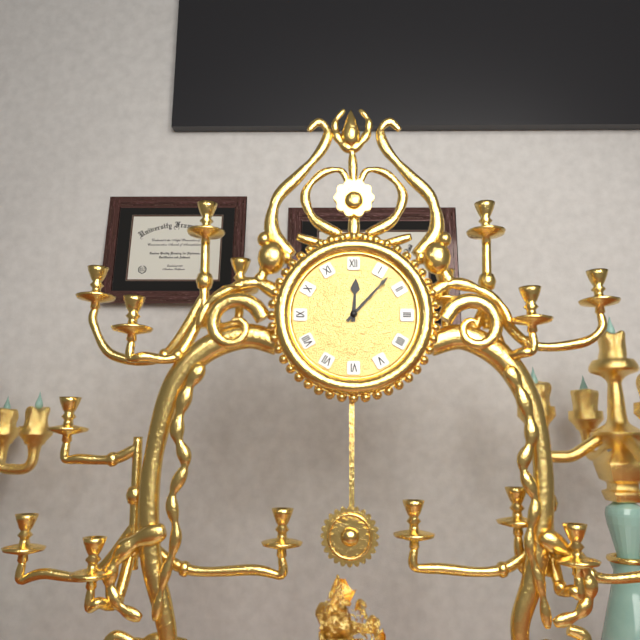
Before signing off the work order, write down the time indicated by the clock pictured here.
12:07
